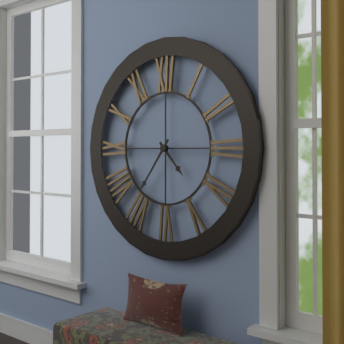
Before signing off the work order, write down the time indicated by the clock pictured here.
4:36
